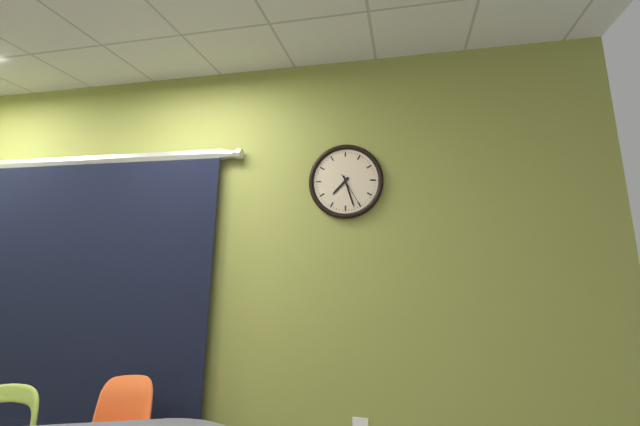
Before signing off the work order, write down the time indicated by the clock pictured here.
7:27
